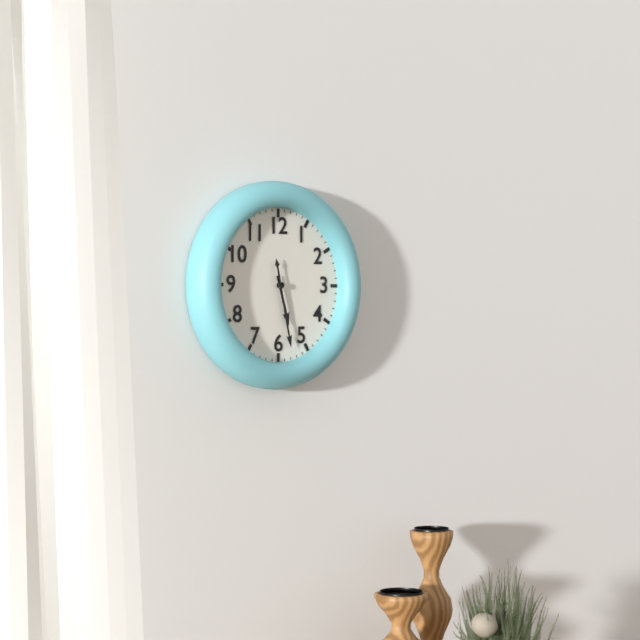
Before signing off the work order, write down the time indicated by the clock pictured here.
5:28
